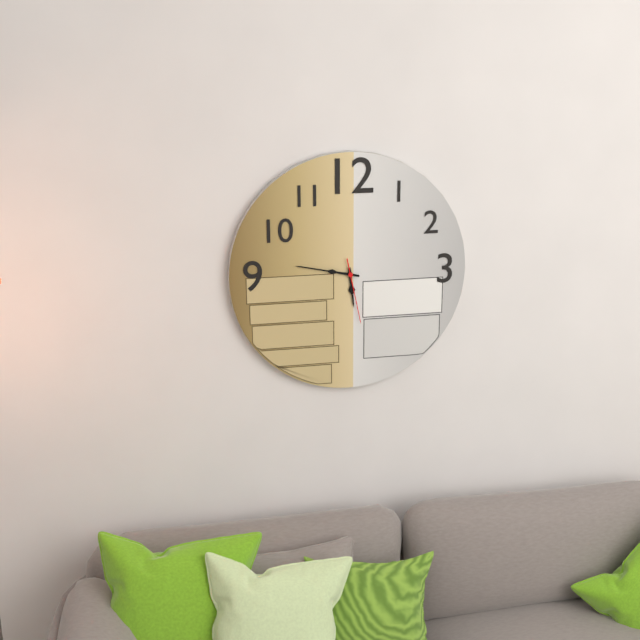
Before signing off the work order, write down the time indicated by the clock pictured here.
5:47:28
